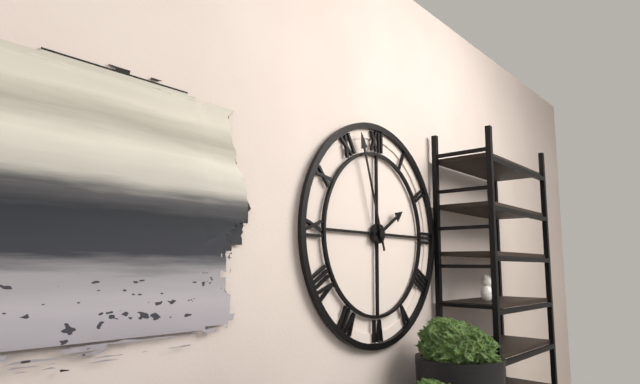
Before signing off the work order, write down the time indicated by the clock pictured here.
1:57
